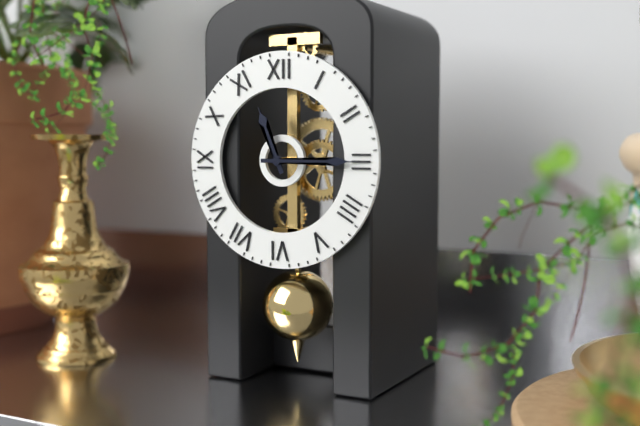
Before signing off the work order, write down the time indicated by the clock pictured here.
11:15
